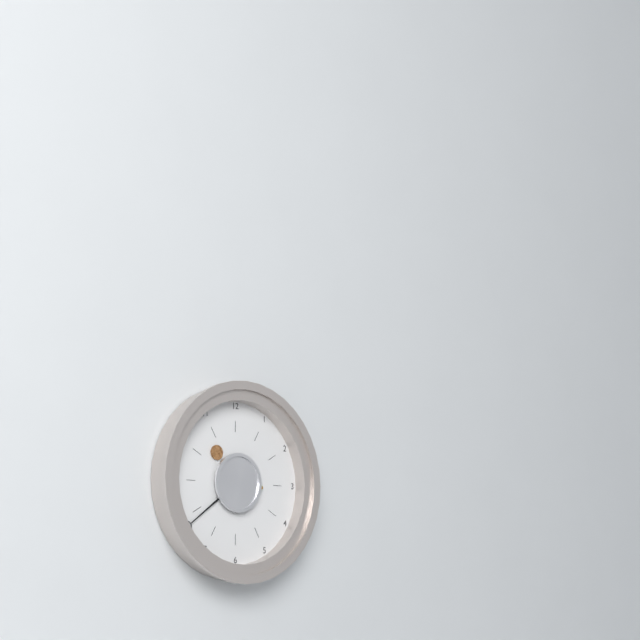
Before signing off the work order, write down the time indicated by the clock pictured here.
10:39
